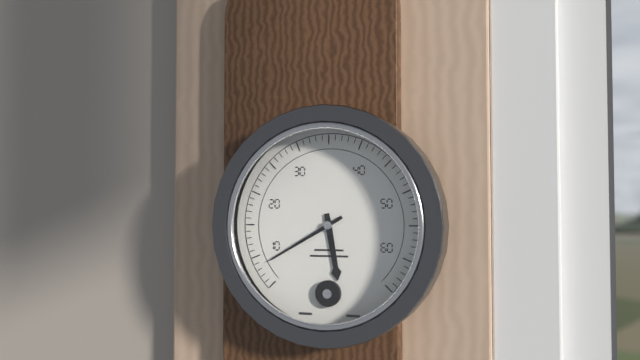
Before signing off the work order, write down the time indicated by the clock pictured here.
5:40
